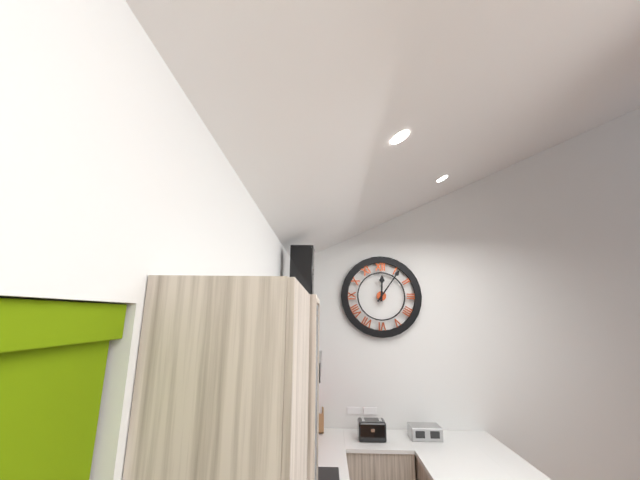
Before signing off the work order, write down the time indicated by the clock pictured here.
12:06
